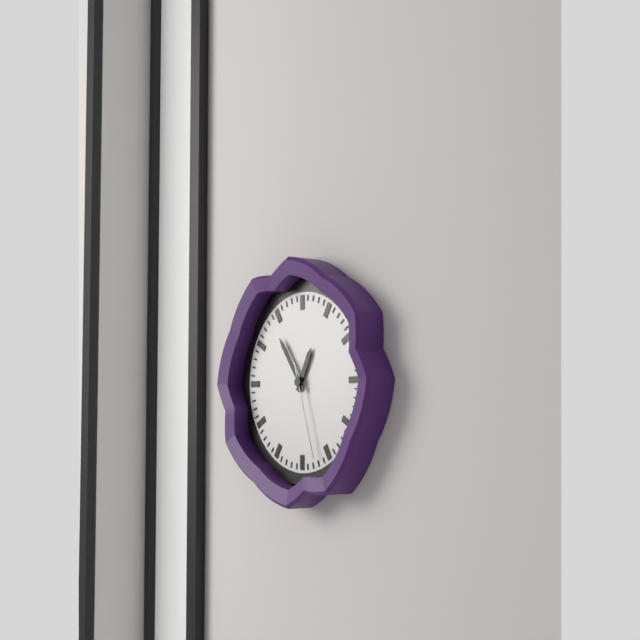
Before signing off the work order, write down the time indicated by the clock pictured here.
12:54:27
